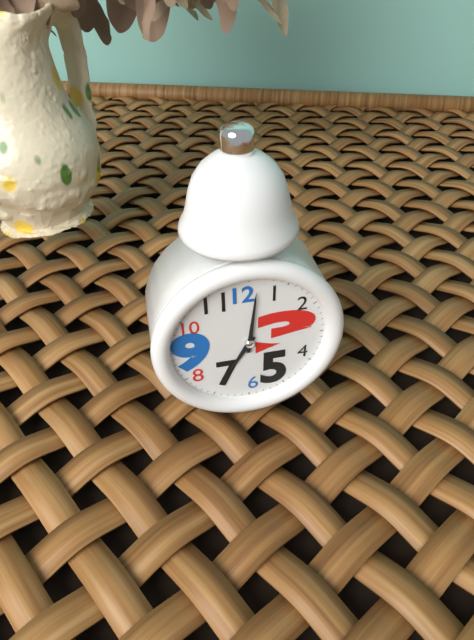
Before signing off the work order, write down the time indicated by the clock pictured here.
7:01
